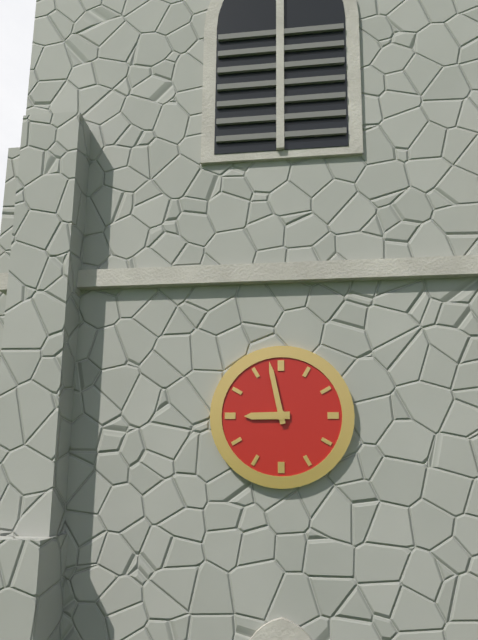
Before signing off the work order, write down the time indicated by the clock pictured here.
8:58
